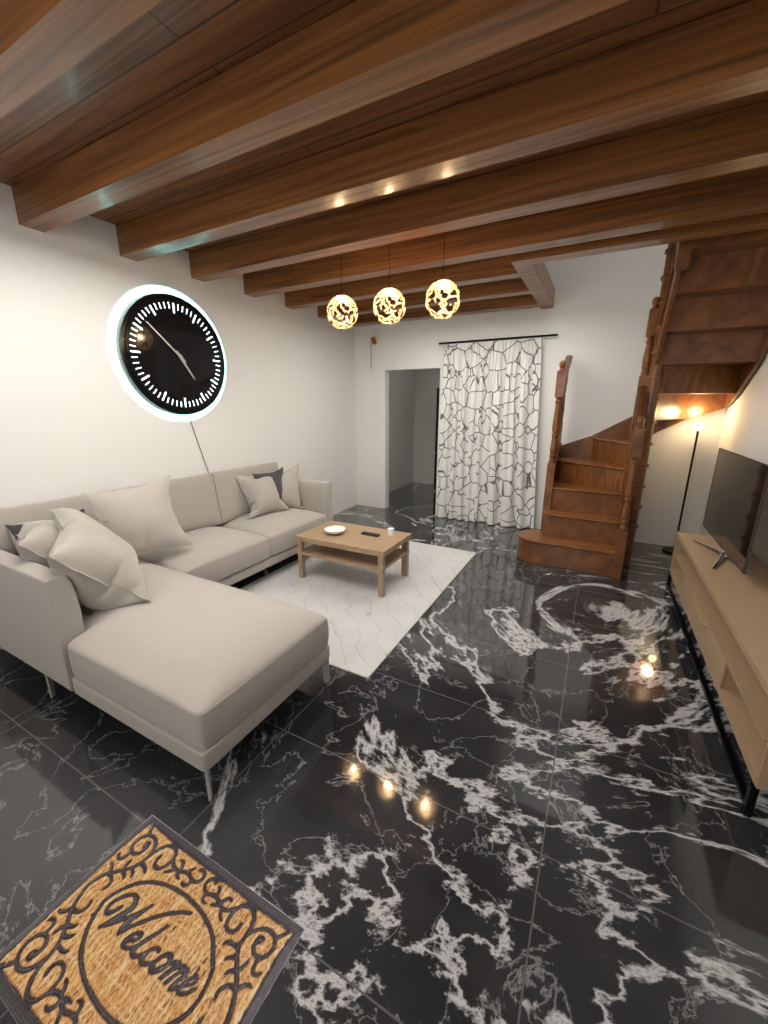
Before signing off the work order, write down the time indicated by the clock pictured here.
4:52
